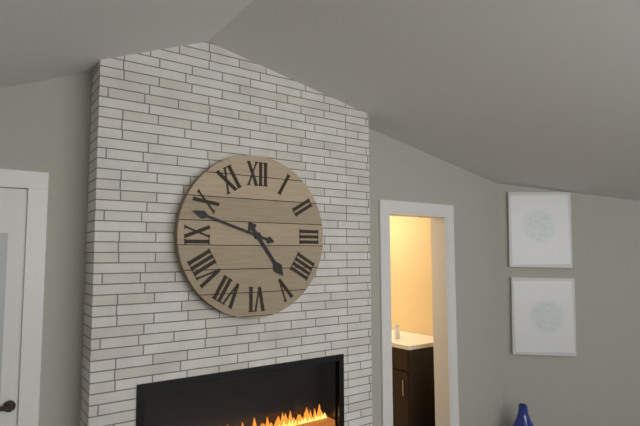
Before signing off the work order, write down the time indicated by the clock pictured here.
4:48
